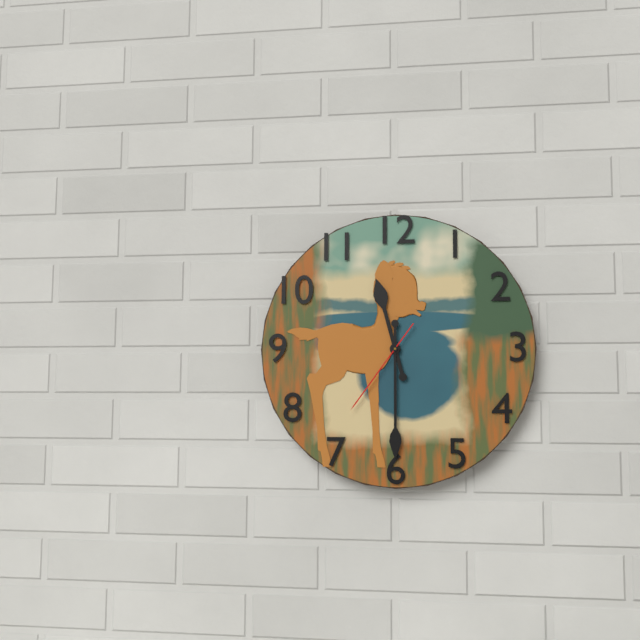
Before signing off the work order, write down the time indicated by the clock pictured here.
11:30:36
